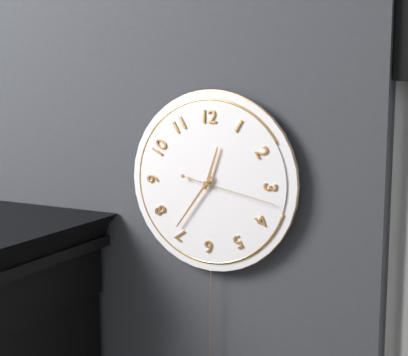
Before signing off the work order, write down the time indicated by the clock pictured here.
12:36:17
